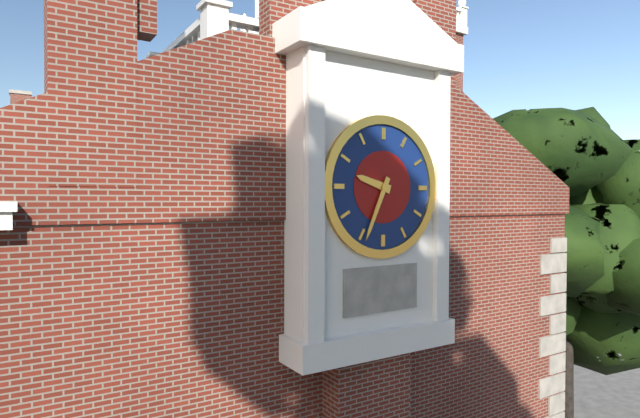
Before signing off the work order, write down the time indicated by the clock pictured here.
9:34
